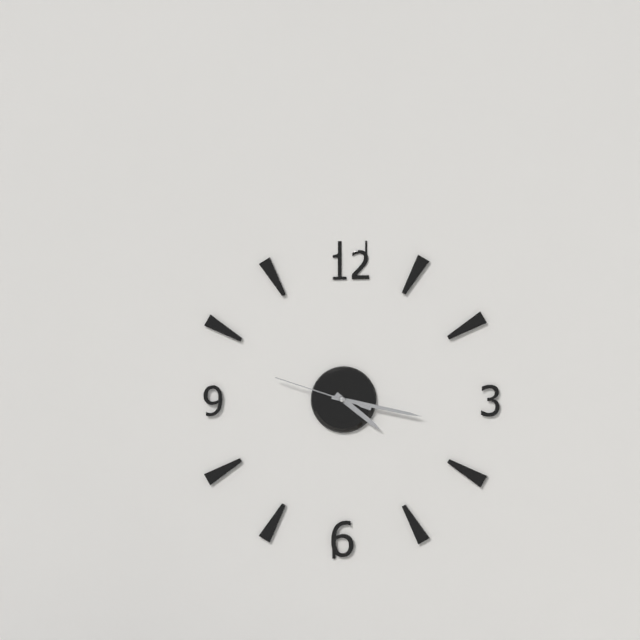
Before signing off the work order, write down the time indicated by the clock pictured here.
4:17:48
